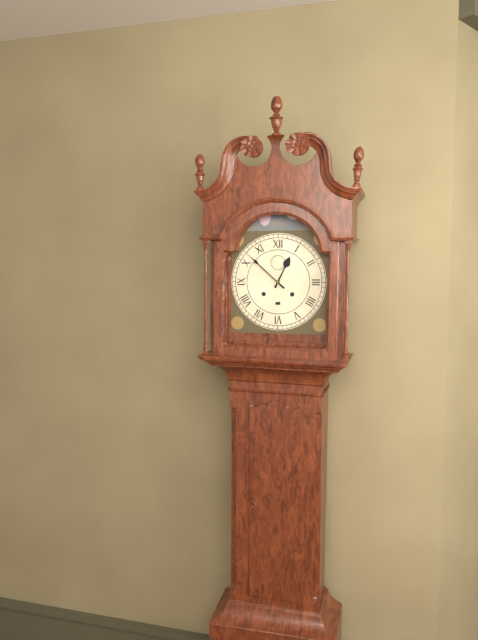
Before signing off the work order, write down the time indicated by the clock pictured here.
12:52
